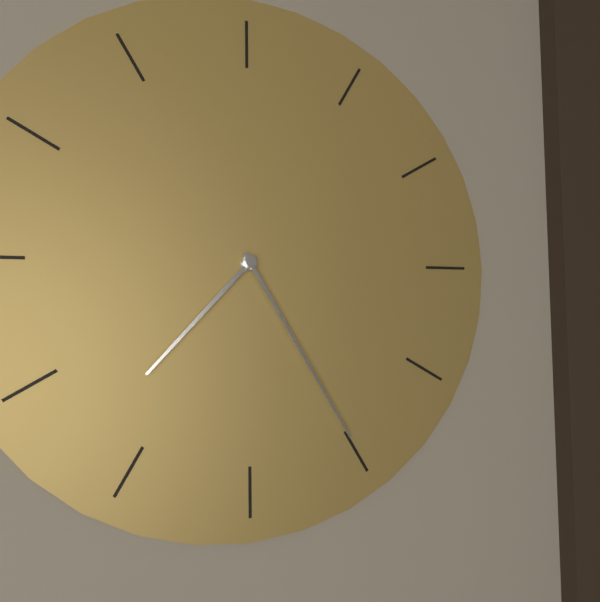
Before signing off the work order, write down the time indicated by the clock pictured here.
7:25
